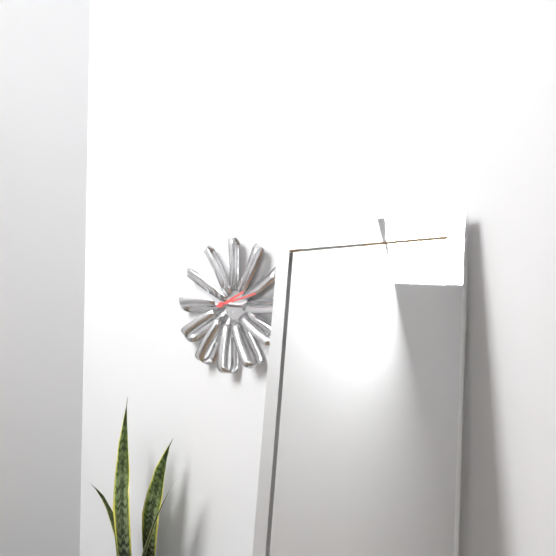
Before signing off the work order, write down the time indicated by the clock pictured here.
2:13
